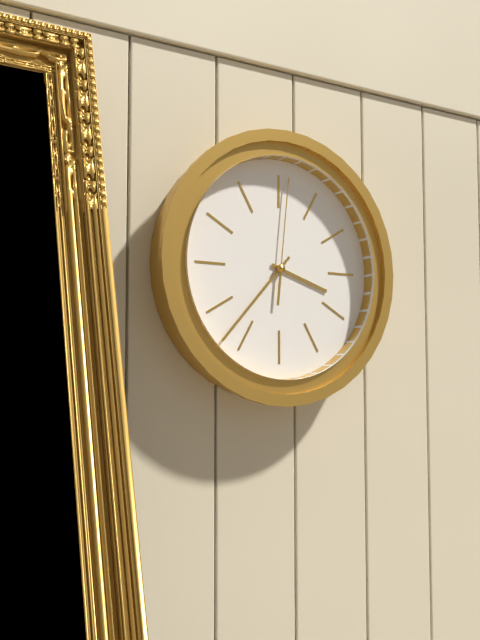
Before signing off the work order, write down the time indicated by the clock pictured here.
3:37:01
